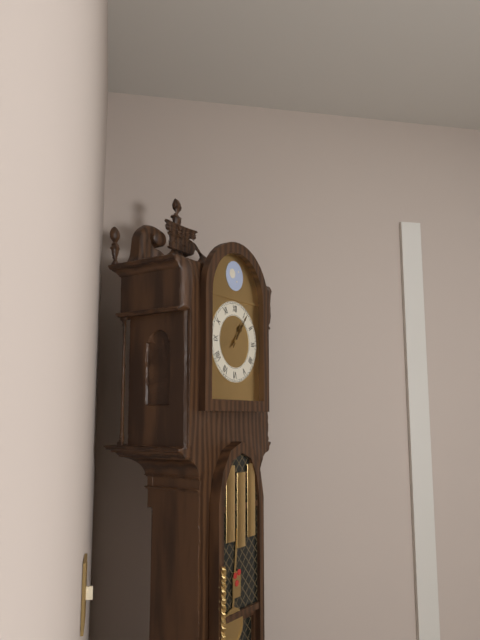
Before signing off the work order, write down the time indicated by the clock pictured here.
1:06
